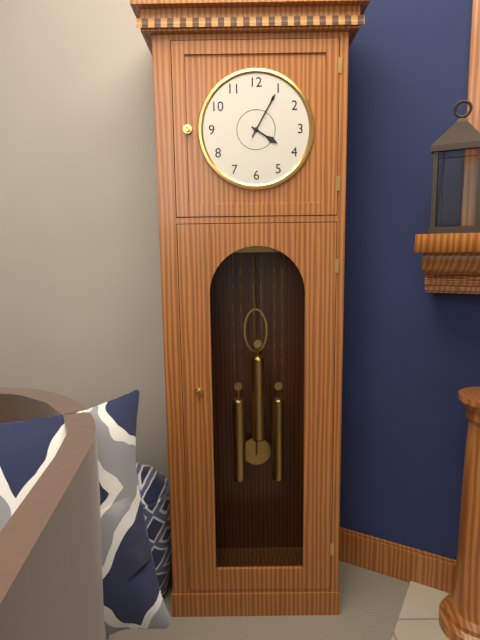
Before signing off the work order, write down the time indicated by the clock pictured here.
4:05
